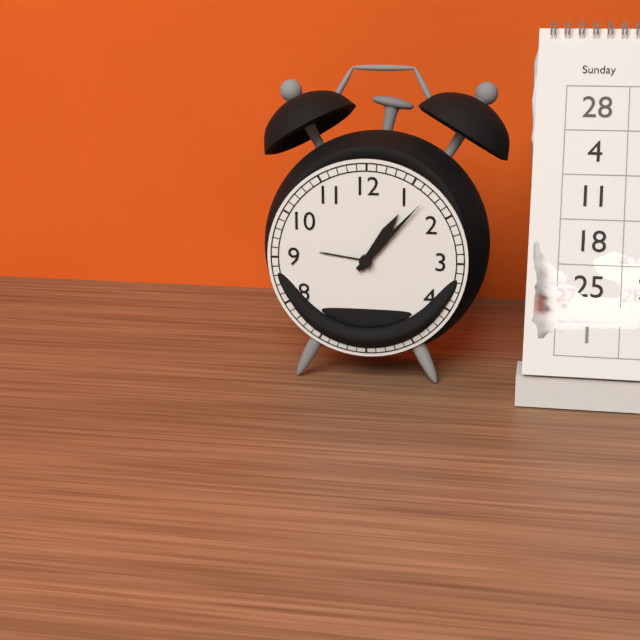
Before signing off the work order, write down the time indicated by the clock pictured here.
1:07
